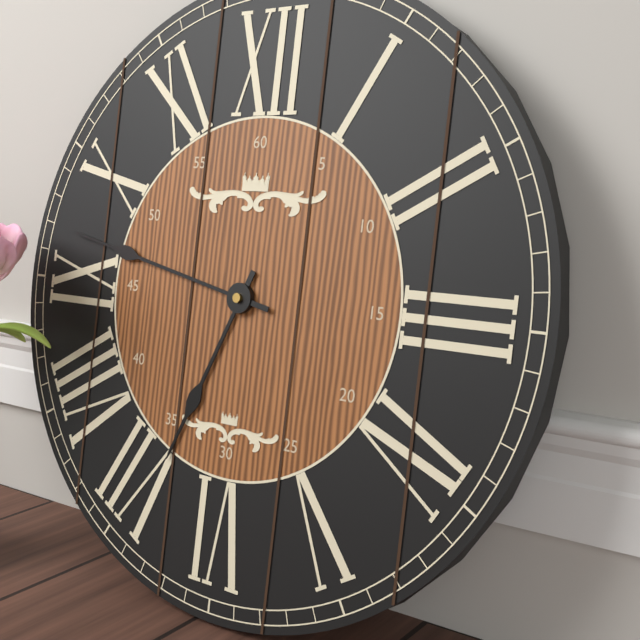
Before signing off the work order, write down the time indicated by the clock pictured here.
6:47
